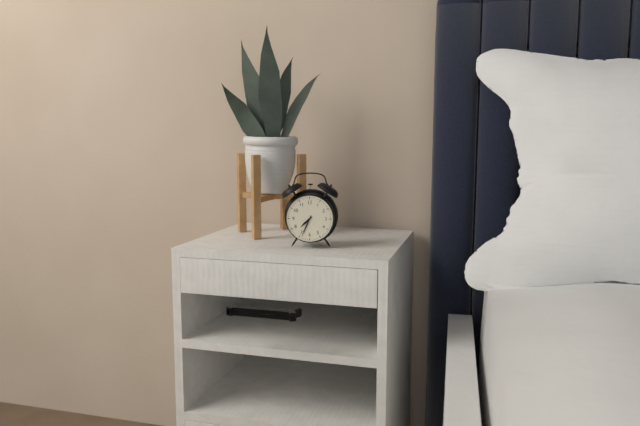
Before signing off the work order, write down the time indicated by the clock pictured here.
7:34
